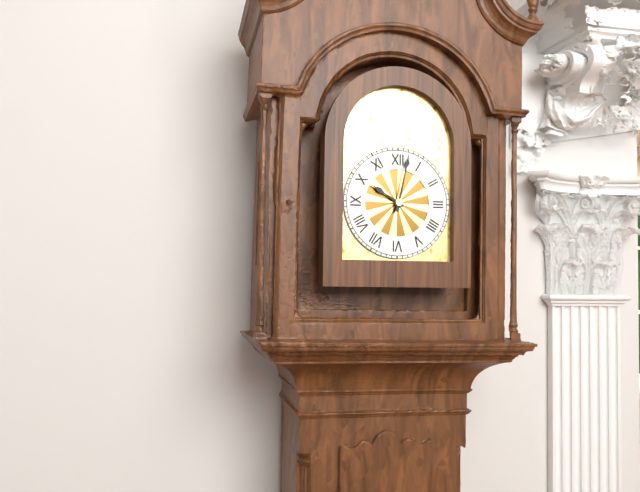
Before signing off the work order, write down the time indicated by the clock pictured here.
10:02
